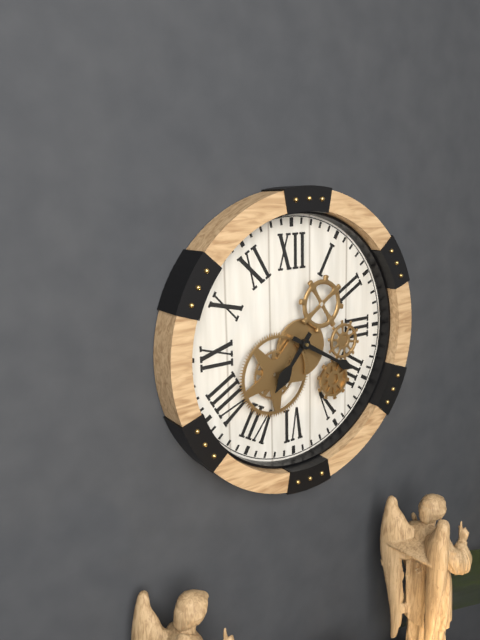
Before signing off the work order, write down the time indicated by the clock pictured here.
7:20
